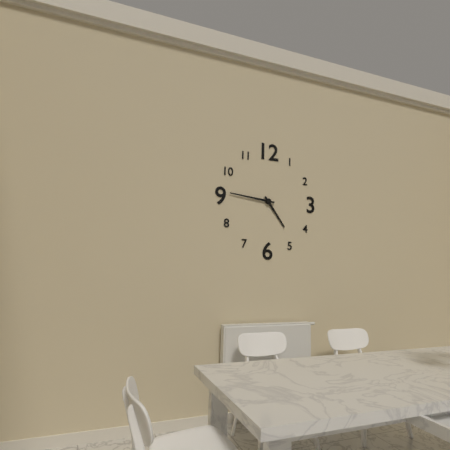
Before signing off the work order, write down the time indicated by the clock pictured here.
4:46
